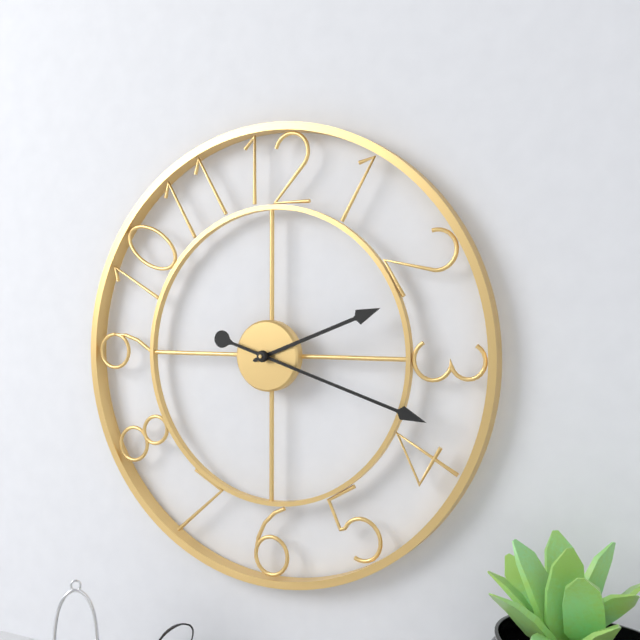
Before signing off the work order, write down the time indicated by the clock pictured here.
2:18
